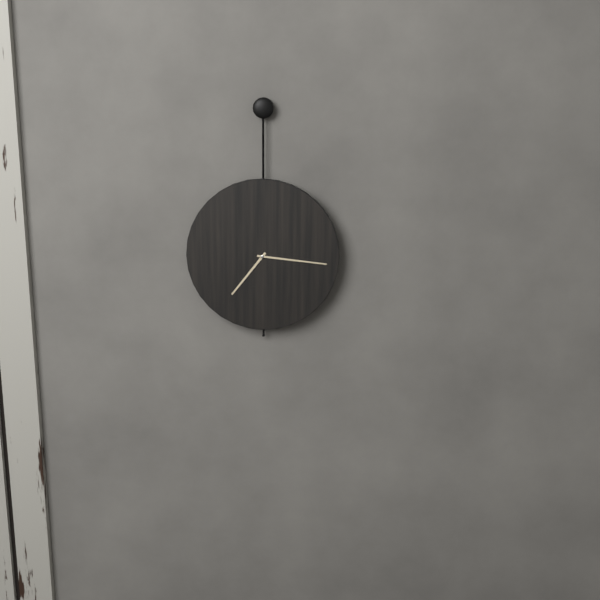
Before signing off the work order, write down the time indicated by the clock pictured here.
7:16
